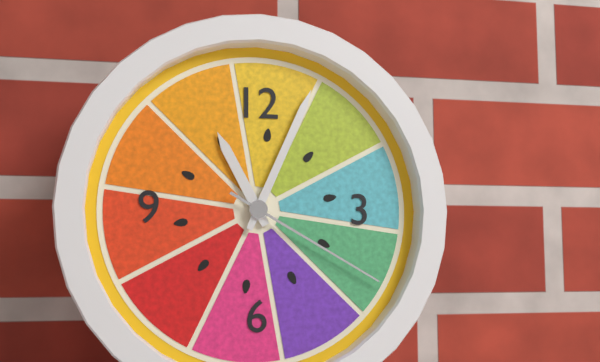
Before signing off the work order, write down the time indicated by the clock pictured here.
11:04:20
